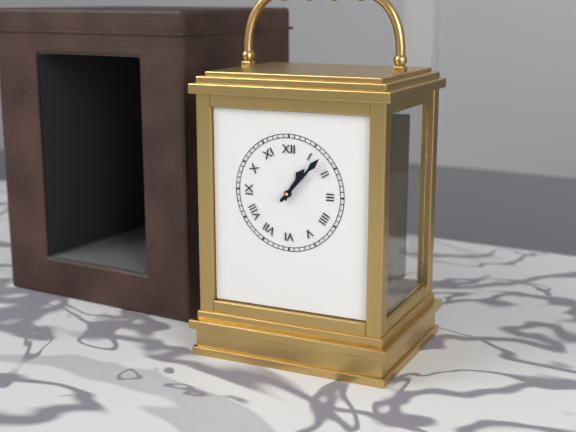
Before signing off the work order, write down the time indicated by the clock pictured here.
1:07
